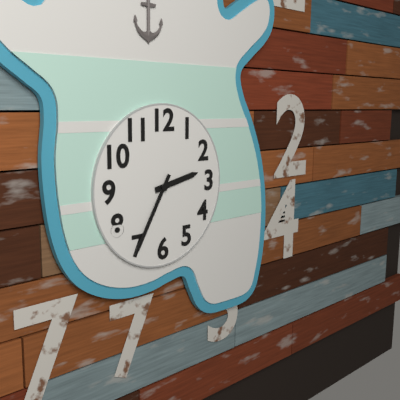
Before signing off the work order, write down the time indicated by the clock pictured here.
2:35
